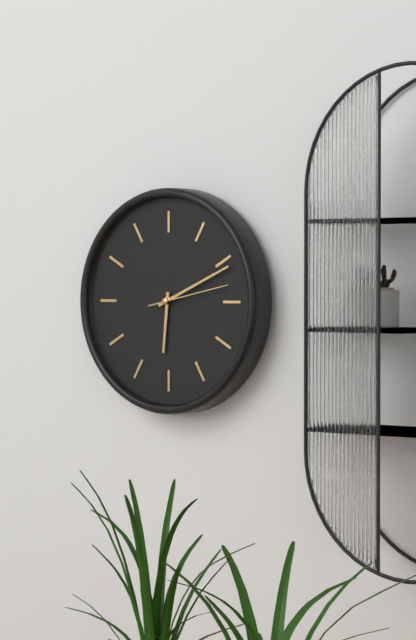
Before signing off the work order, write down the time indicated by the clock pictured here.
6:11:13
